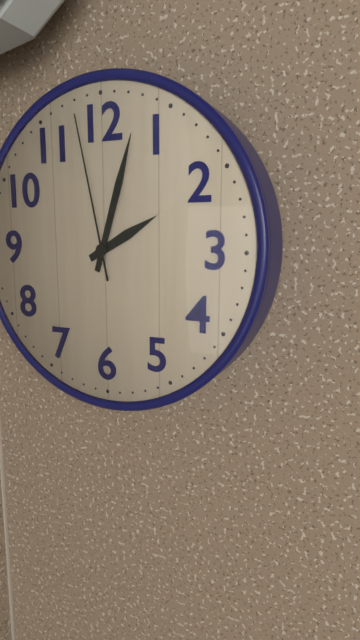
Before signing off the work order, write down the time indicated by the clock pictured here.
2:03:58
